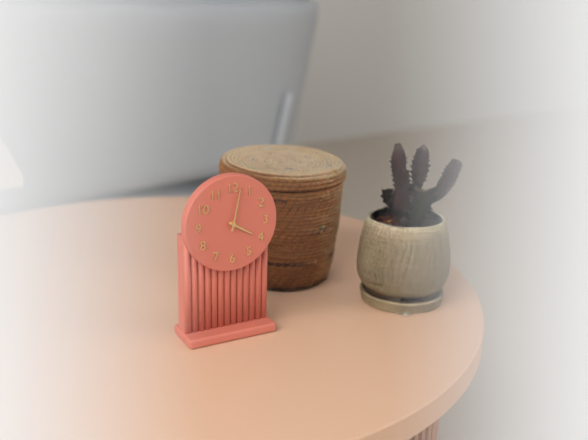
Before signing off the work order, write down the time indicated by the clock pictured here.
4:02
